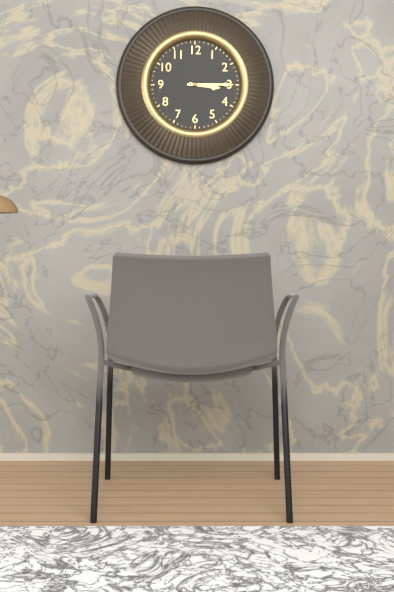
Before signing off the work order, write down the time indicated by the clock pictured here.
3:15
